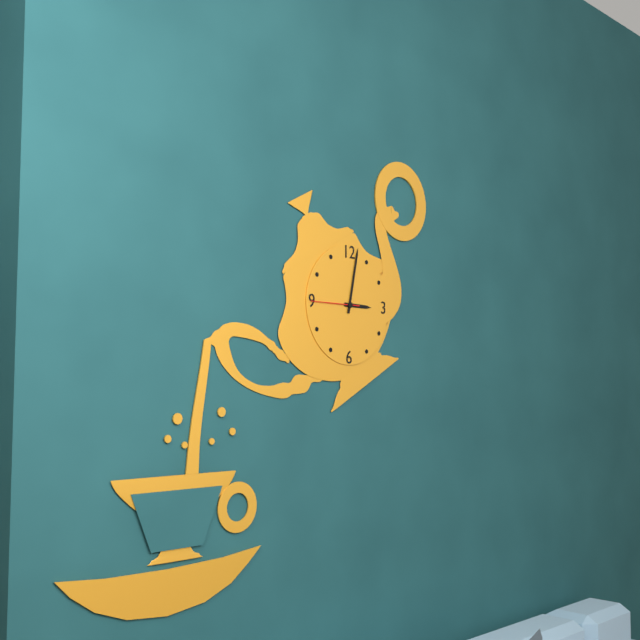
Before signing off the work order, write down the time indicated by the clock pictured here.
3:02
